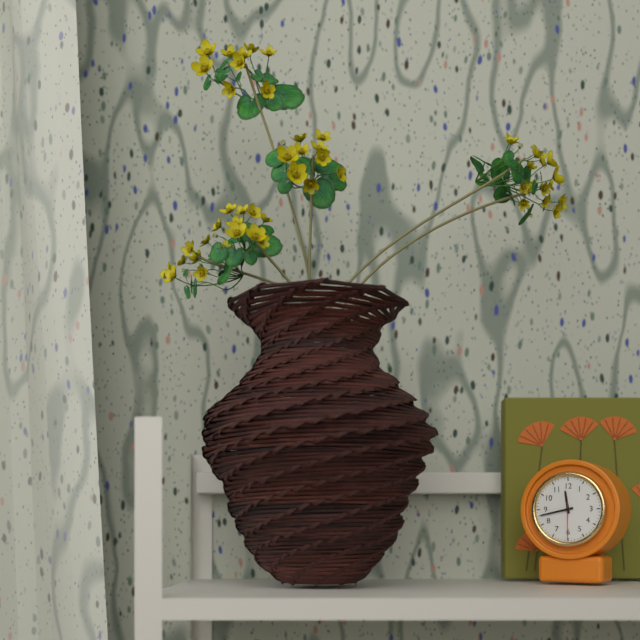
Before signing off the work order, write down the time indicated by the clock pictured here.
11:43
